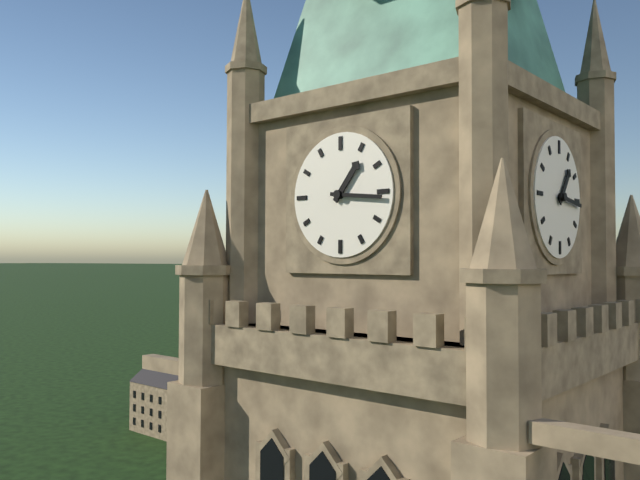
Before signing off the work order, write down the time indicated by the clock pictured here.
1:16
